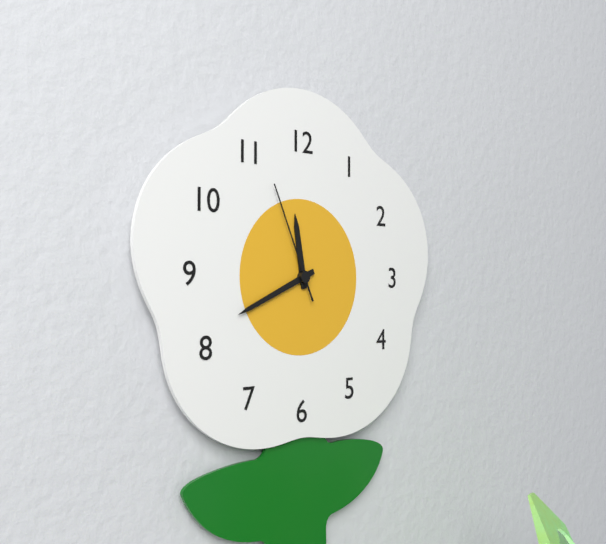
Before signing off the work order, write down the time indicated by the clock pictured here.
11:41:56
